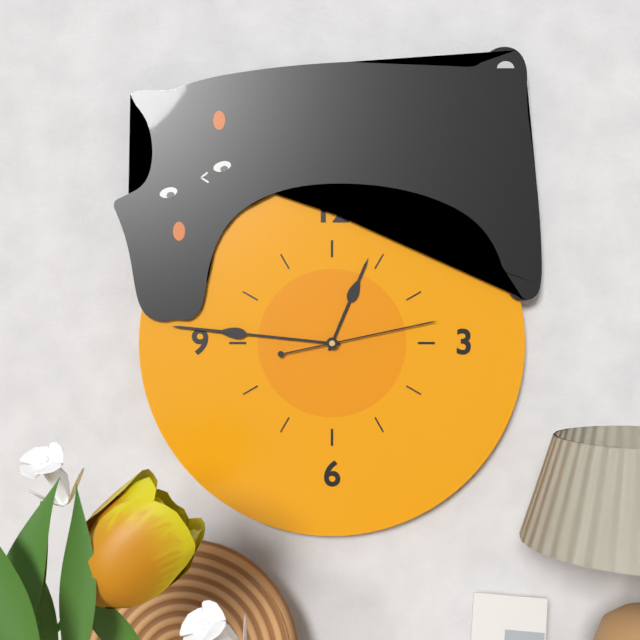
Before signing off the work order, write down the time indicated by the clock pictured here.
12:46:13
